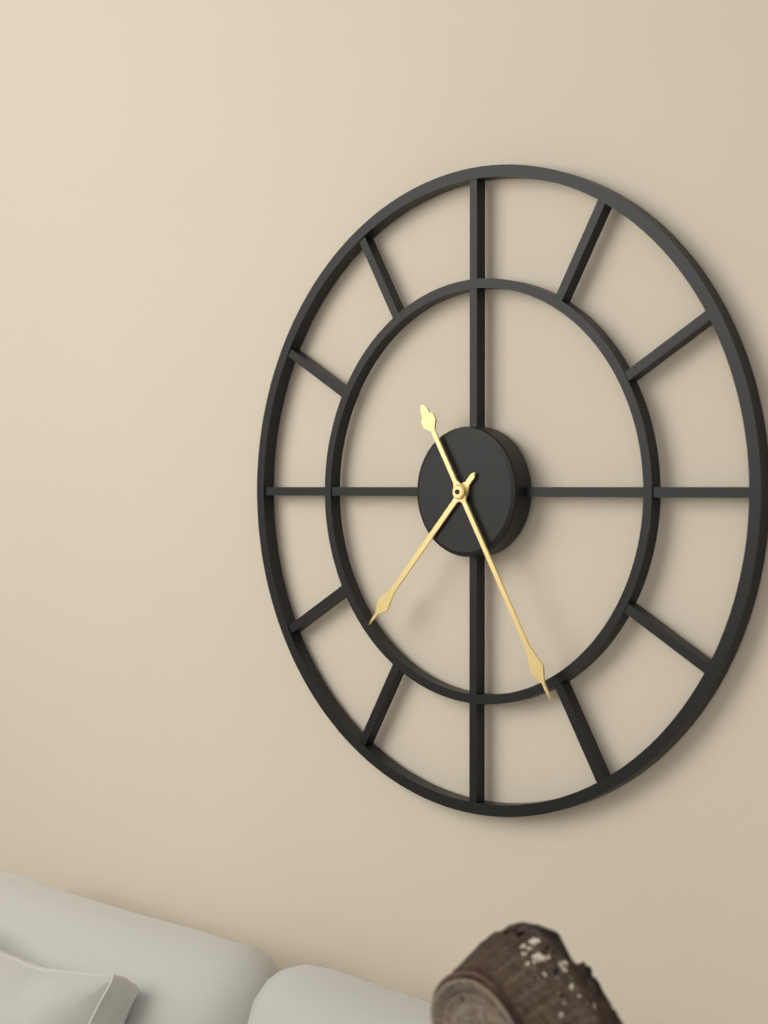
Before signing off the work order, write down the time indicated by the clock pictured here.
7:25
